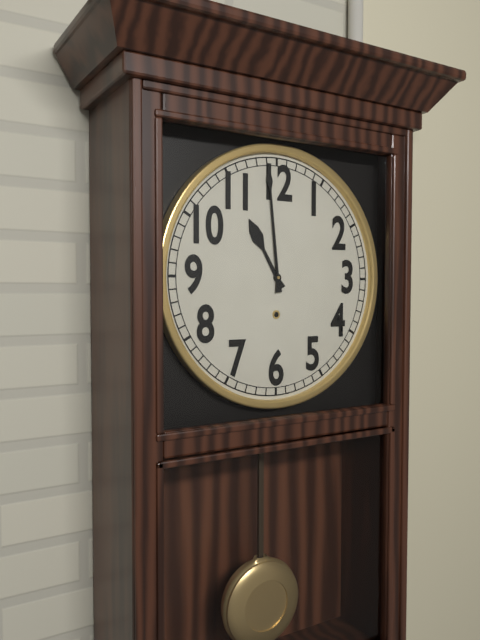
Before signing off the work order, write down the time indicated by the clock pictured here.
10:59
